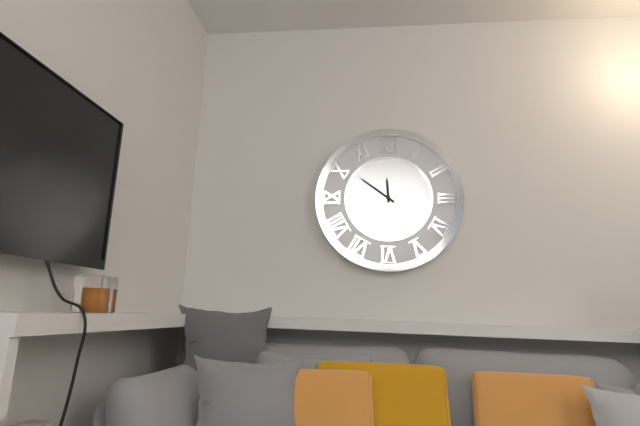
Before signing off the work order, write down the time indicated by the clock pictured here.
11:51
